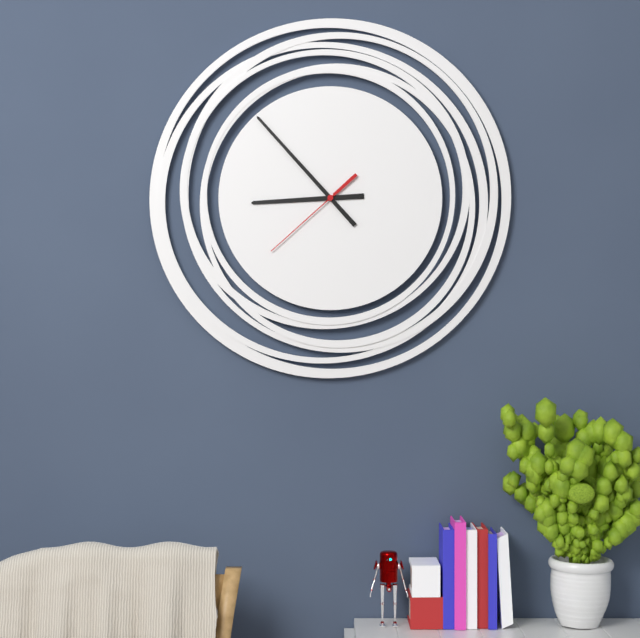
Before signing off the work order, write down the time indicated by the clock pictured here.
8:53:38
